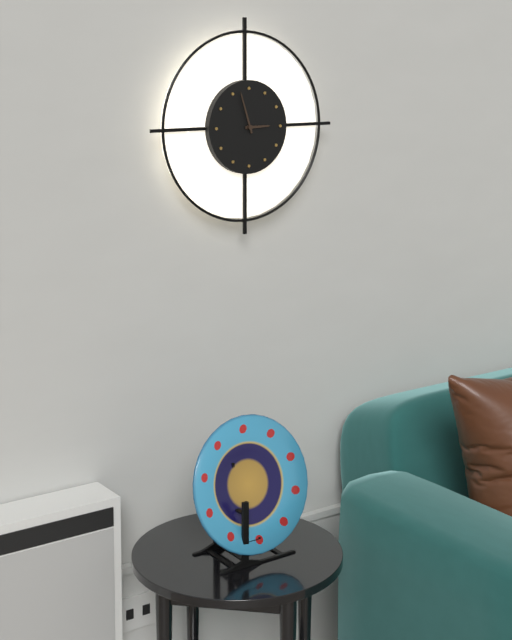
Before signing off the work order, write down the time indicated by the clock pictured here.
2:57
